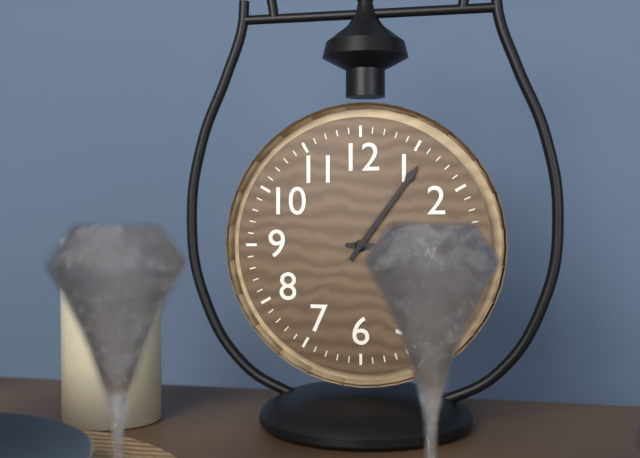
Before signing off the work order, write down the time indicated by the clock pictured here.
3:06
